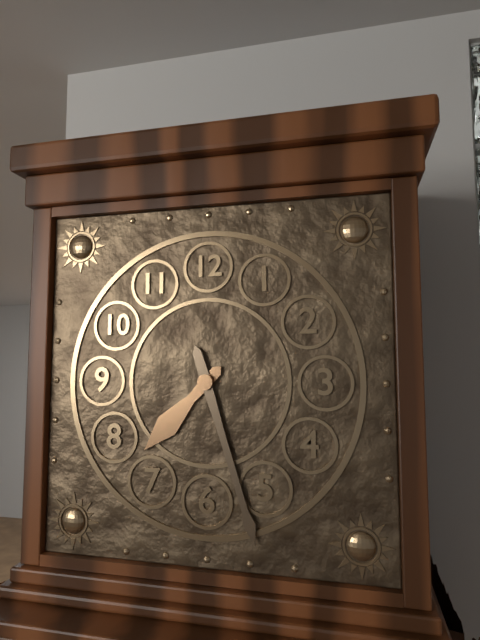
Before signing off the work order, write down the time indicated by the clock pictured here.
7:27
